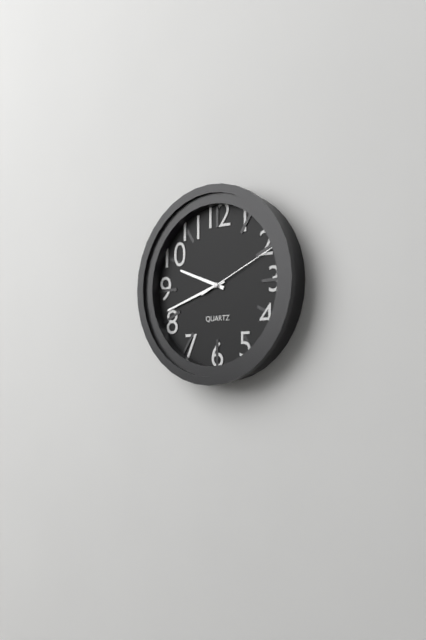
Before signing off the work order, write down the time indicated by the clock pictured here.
9:42:11
